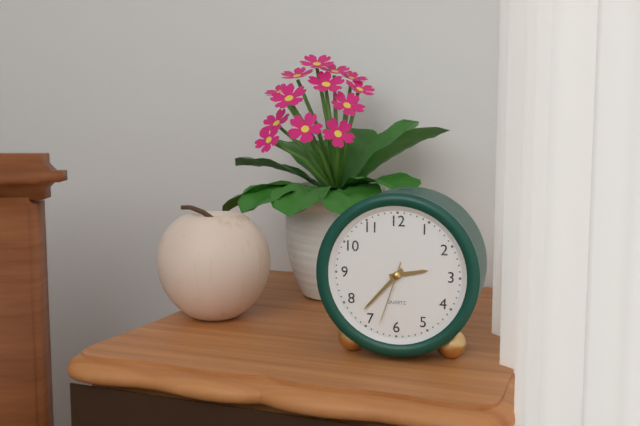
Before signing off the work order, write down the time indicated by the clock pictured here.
2:37:33
